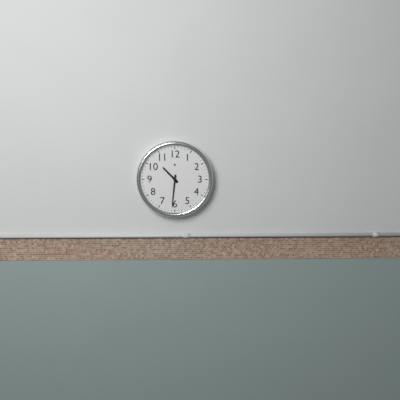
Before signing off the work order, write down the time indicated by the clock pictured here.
10:31
